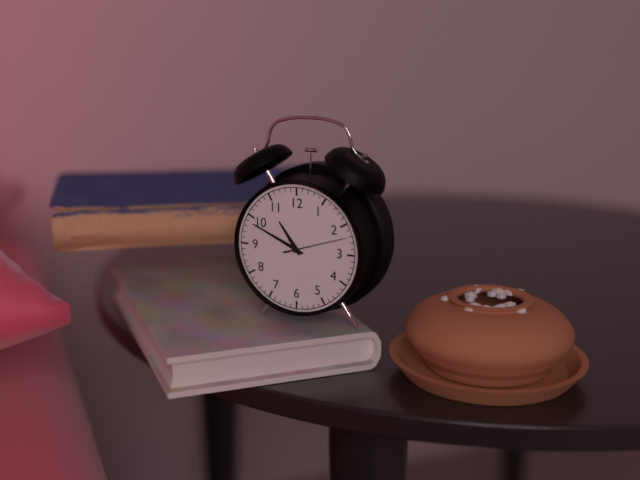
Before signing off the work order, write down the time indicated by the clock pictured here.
10:49:12
